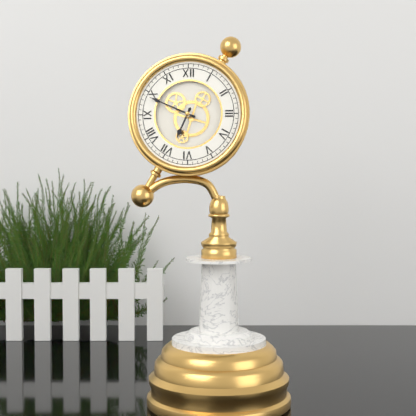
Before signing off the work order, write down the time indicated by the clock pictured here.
6:49
